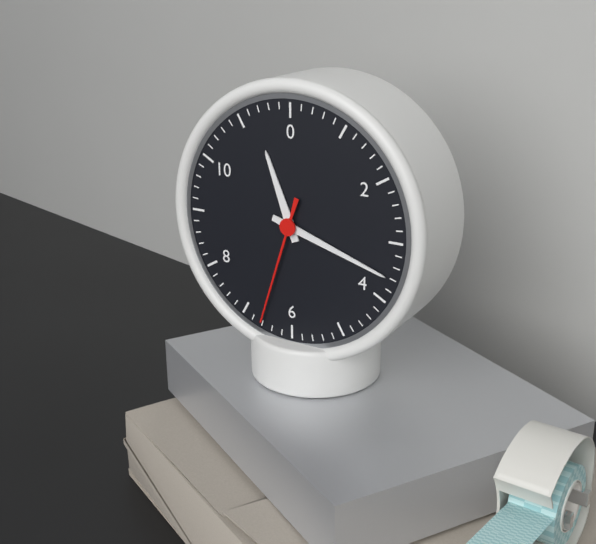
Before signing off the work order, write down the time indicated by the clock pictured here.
11:18:33
